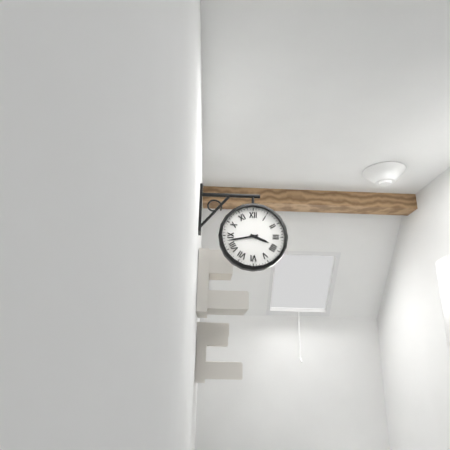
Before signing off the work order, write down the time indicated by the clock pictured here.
3:43
